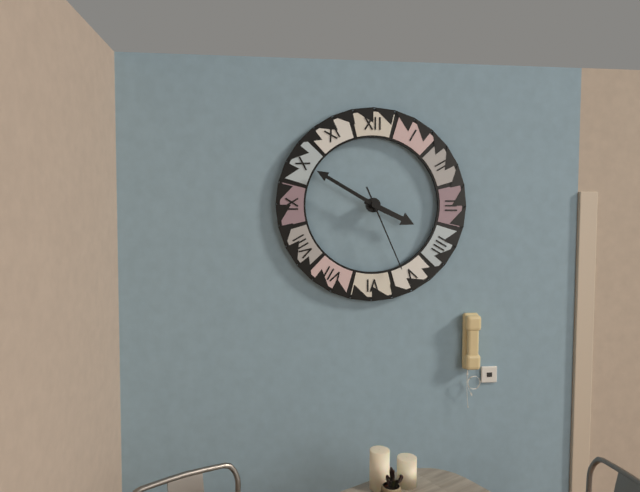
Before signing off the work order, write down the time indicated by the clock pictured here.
3:50:26
